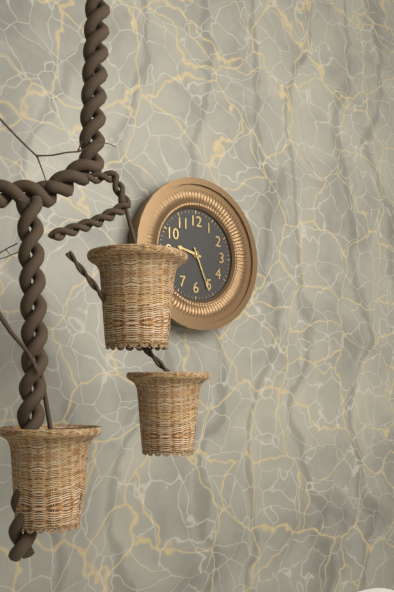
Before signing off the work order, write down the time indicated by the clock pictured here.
9:26
